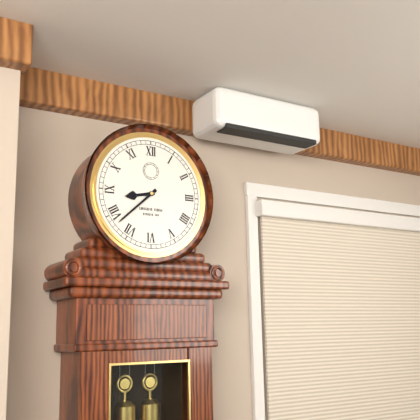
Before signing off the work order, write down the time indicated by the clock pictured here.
8:38
